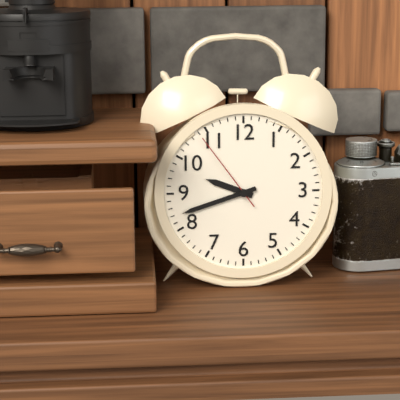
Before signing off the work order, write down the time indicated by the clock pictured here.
9:42:54
